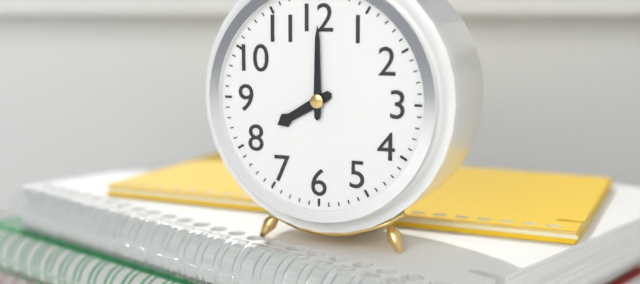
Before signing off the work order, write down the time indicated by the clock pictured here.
8:00
